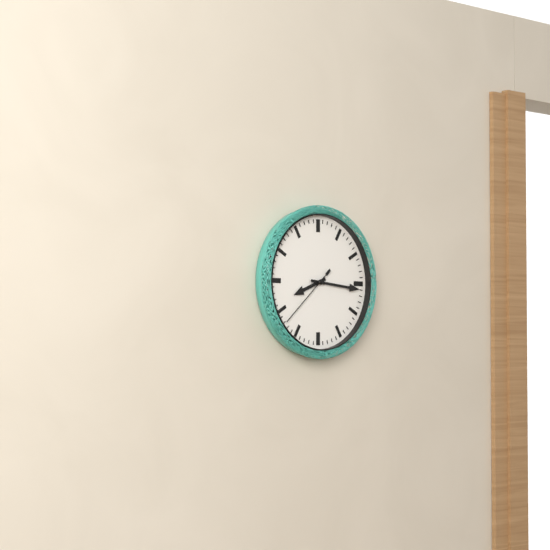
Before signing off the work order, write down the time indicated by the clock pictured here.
8:16:38
